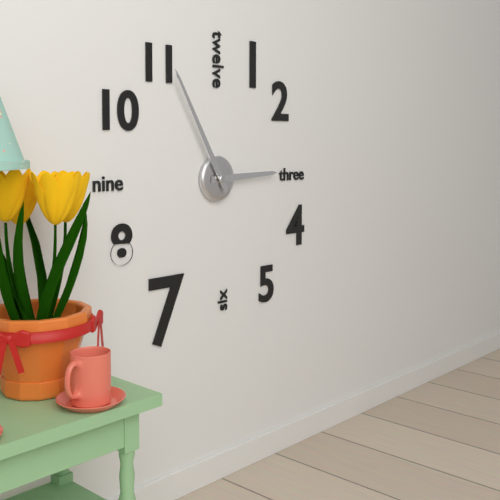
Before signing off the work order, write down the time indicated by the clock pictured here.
2:55
